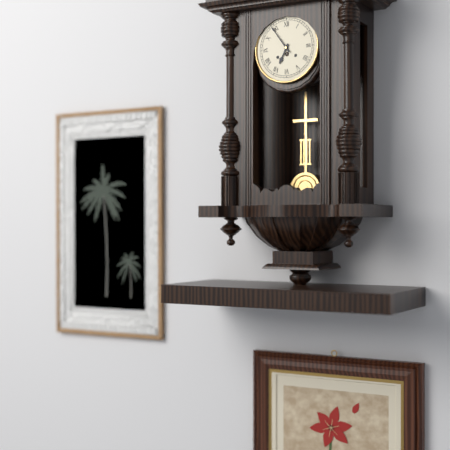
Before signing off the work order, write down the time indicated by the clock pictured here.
6:54
